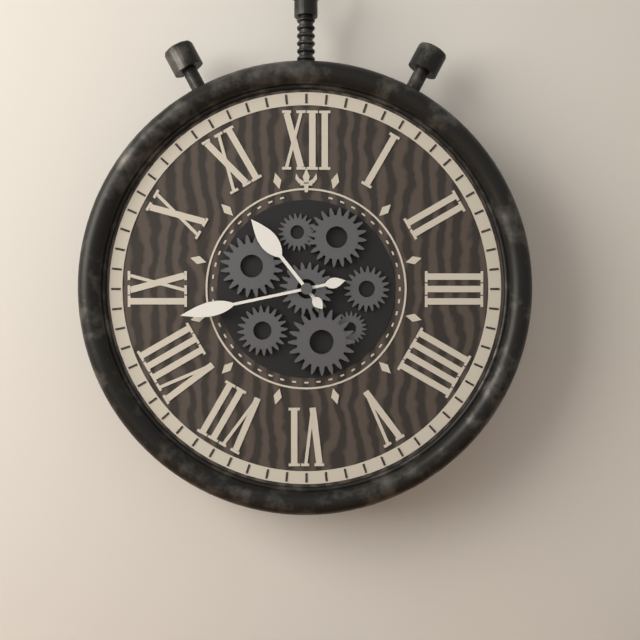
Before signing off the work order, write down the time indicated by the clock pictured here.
10:43
